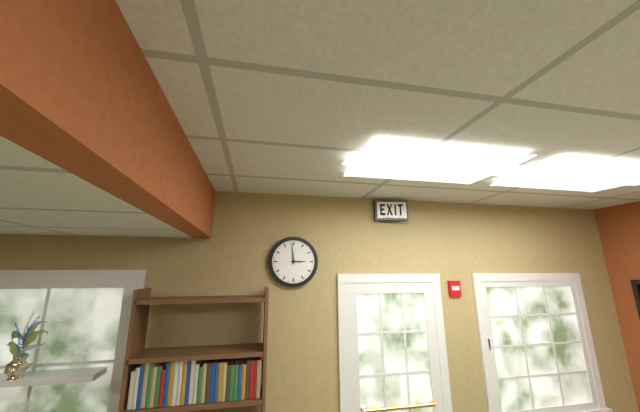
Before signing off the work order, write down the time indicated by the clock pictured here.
2:59
